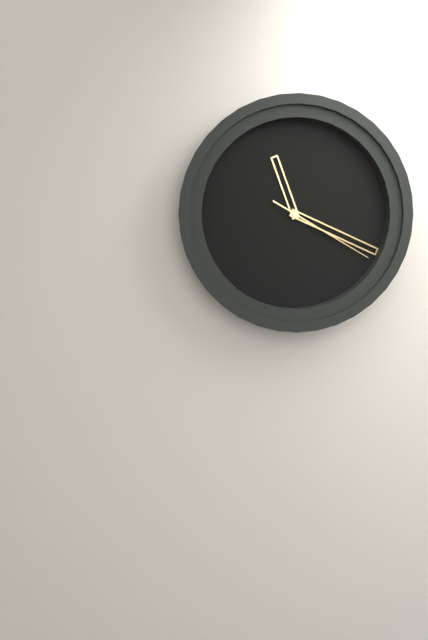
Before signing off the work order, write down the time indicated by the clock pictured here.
11:19:20
